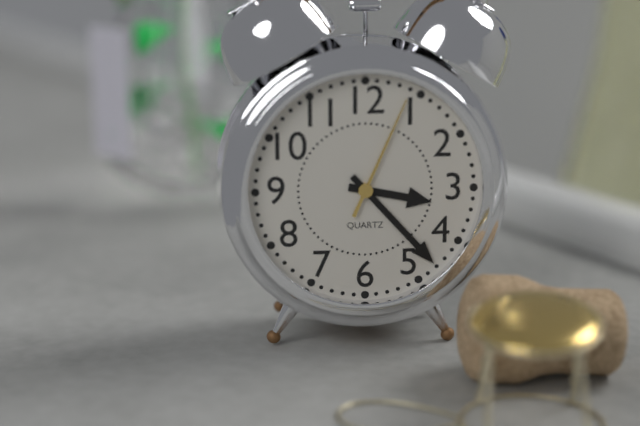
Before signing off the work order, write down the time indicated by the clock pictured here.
3:23:04
